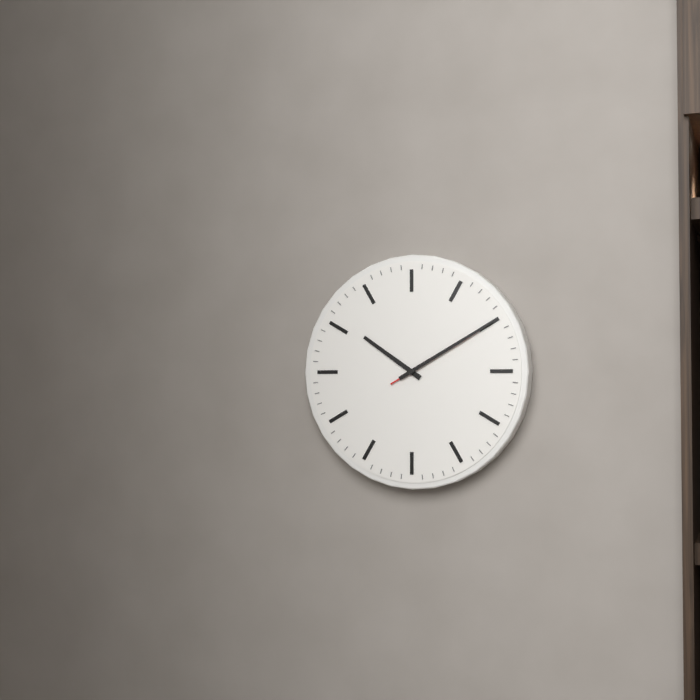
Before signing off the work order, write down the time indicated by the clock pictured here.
10:10:10
